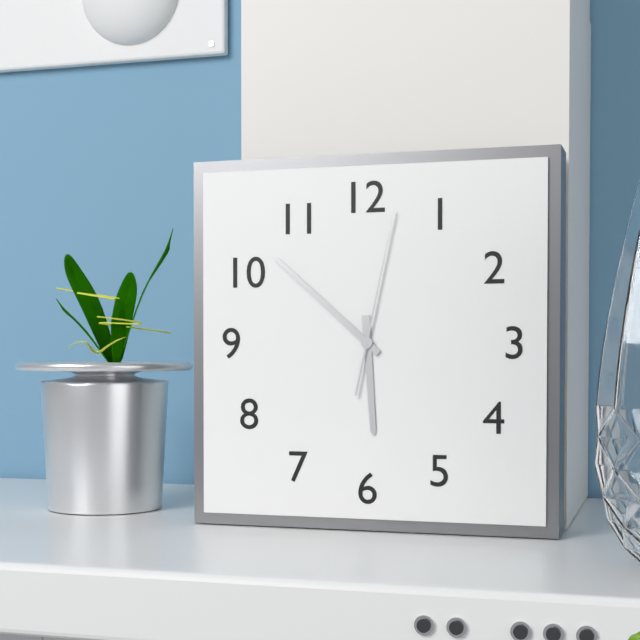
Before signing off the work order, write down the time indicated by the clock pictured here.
5:52:02
